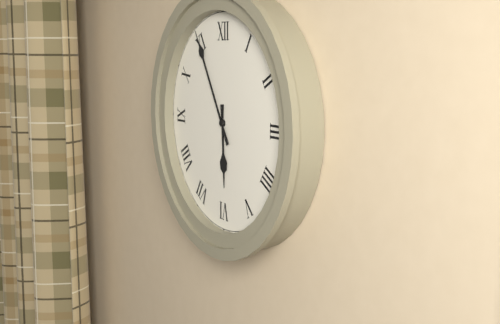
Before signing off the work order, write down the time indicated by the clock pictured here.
5:55
